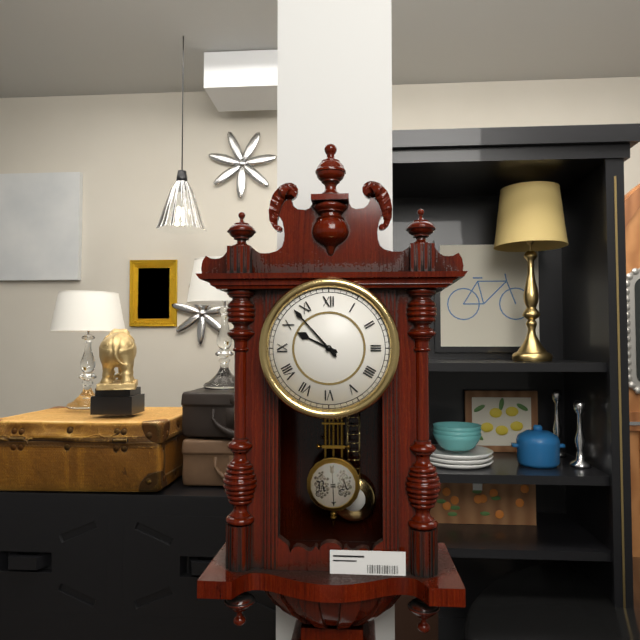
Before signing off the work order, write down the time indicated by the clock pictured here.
9:53
